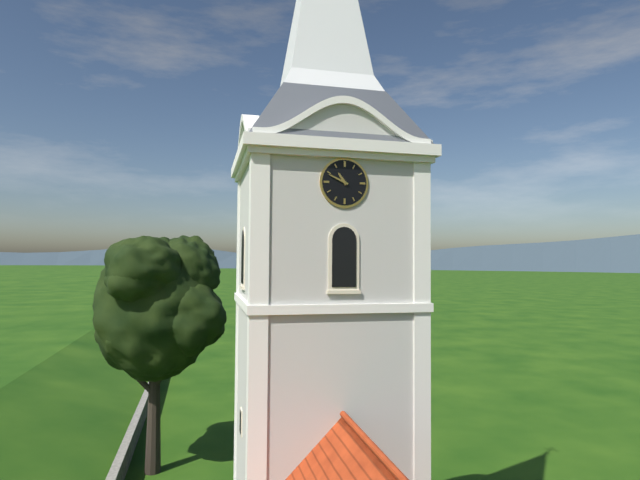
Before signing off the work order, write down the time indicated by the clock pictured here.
10:49
